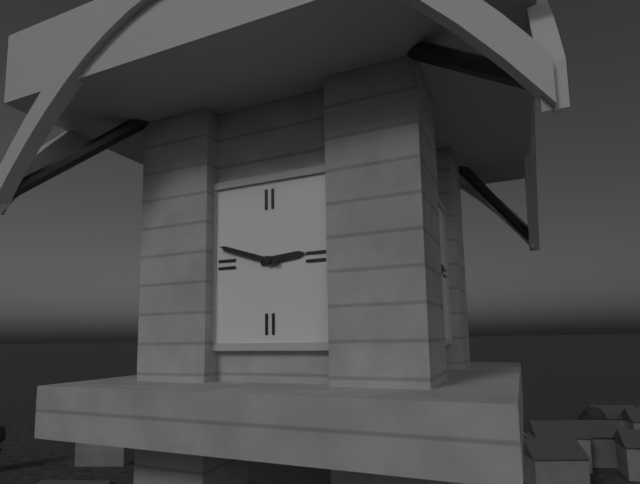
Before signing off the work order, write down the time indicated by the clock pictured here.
2:48
